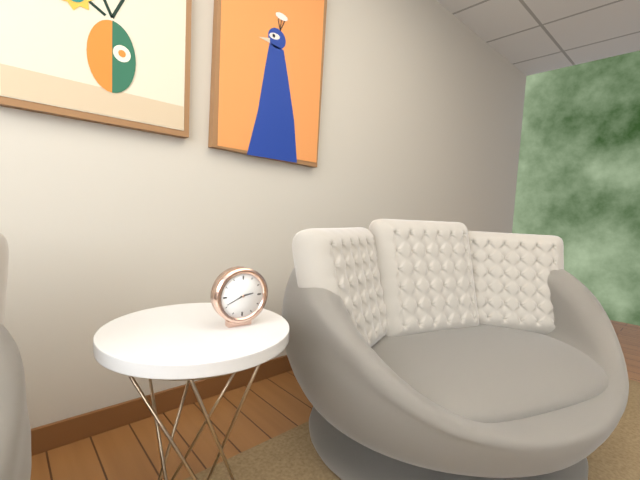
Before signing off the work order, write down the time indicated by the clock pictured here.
2:41
